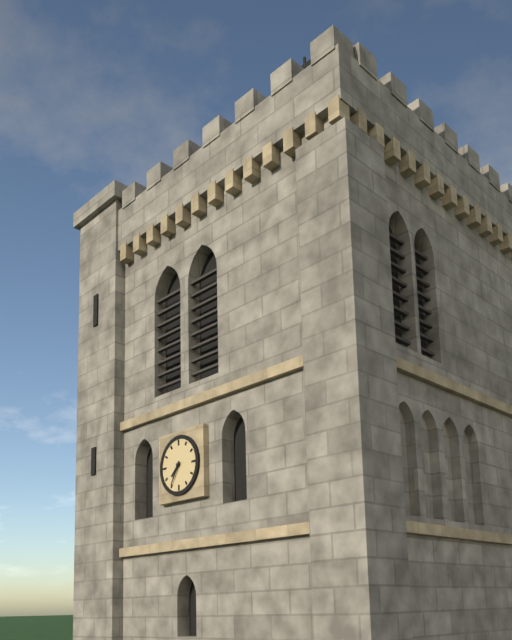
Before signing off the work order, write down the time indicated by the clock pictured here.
7:35
